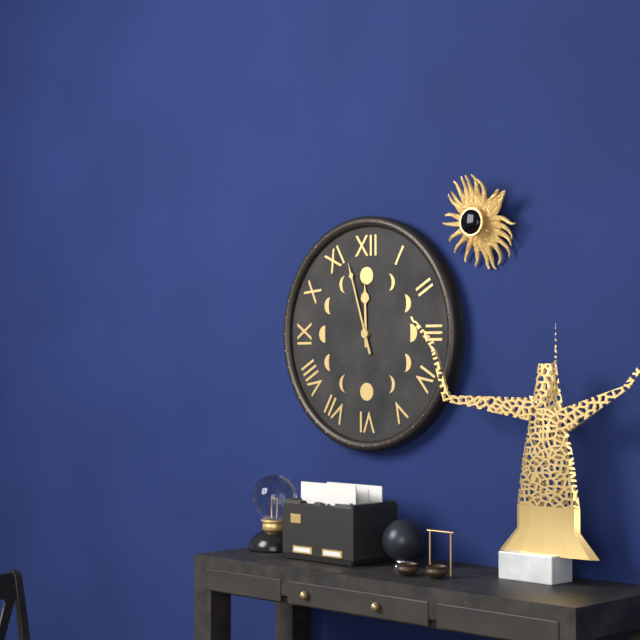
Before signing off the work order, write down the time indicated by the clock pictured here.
11:57
